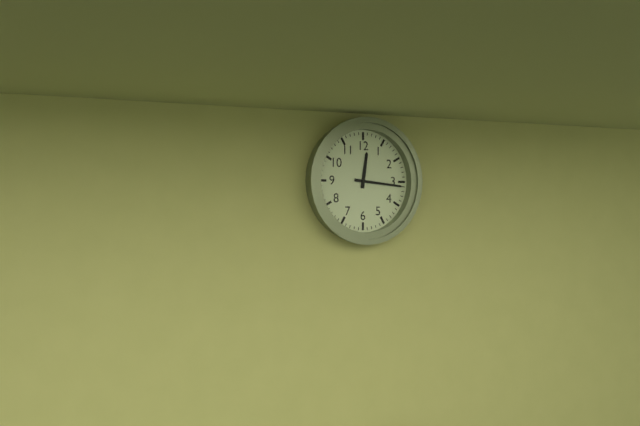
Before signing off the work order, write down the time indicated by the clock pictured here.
12:16
